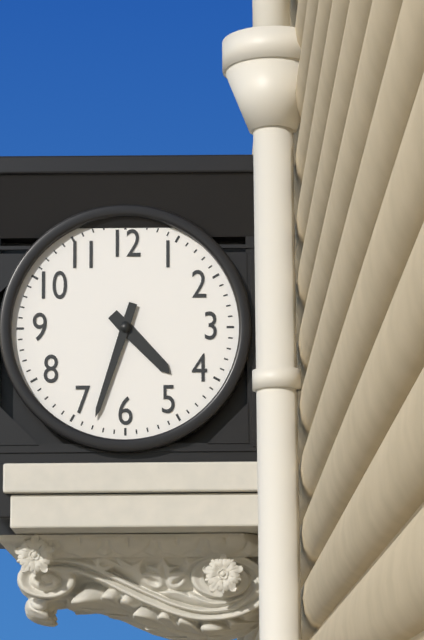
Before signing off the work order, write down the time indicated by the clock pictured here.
4:33
